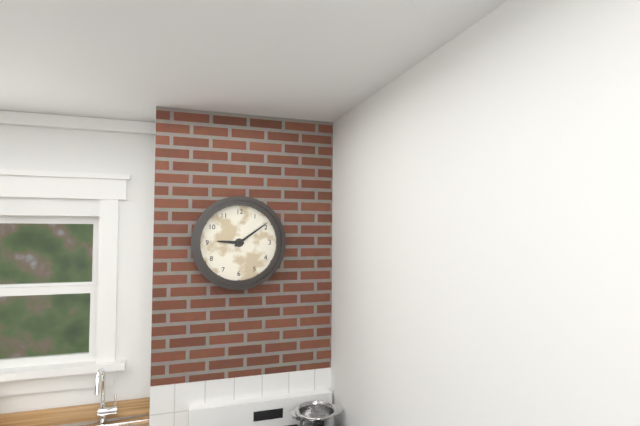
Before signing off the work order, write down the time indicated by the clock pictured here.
9:09
